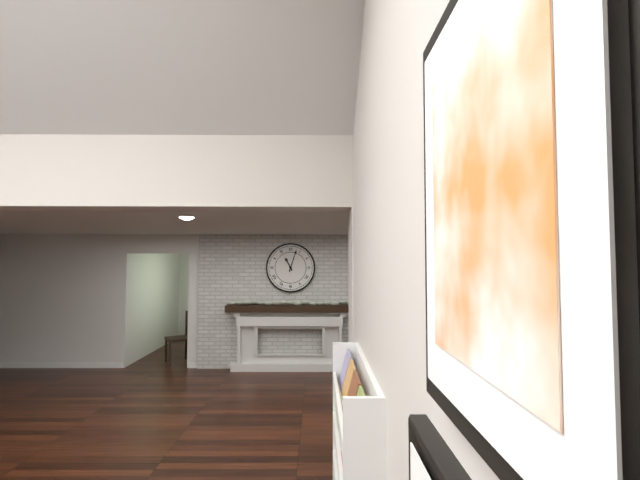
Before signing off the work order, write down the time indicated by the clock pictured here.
11:03
